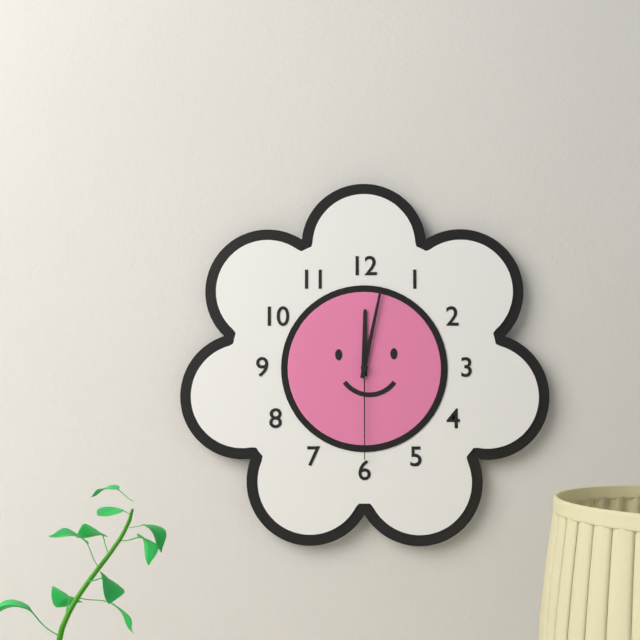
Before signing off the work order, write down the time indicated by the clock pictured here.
12:02:30
